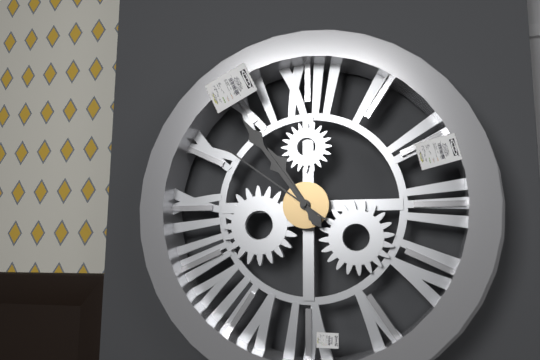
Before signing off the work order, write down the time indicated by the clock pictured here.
10:54:51
